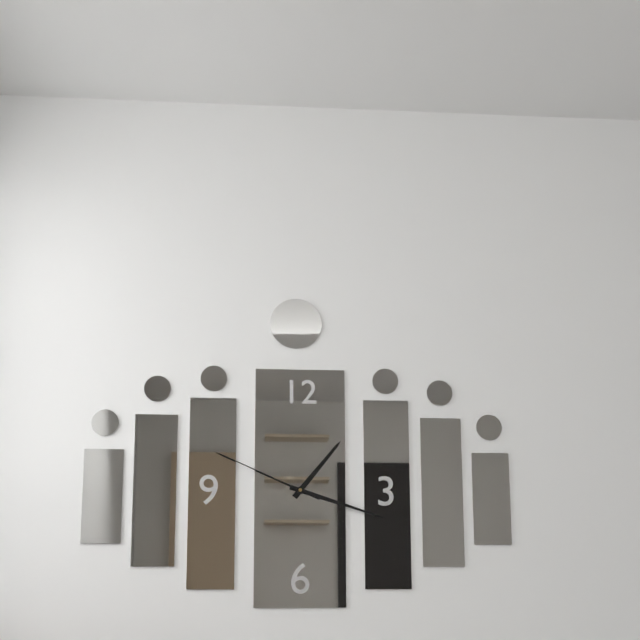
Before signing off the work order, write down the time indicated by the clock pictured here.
1:18:49
